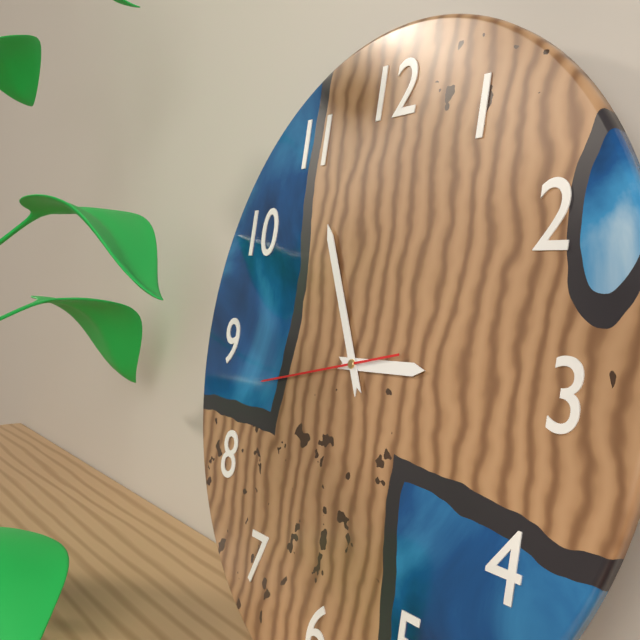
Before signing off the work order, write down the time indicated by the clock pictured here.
2:55:43
